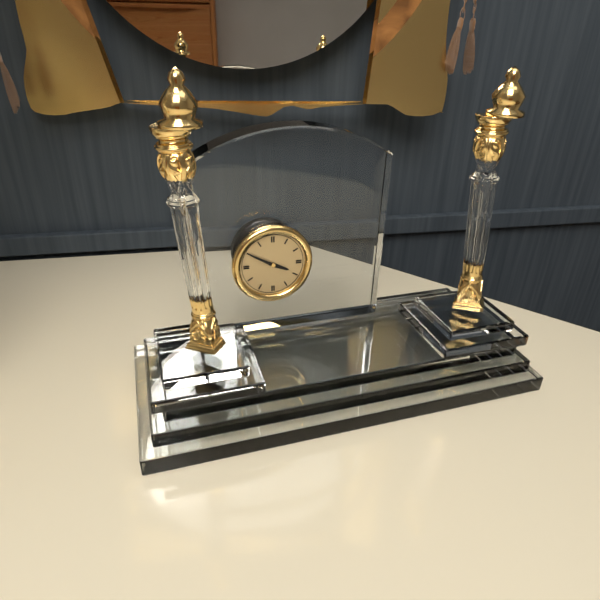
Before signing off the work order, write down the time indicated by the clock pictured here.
3:50
